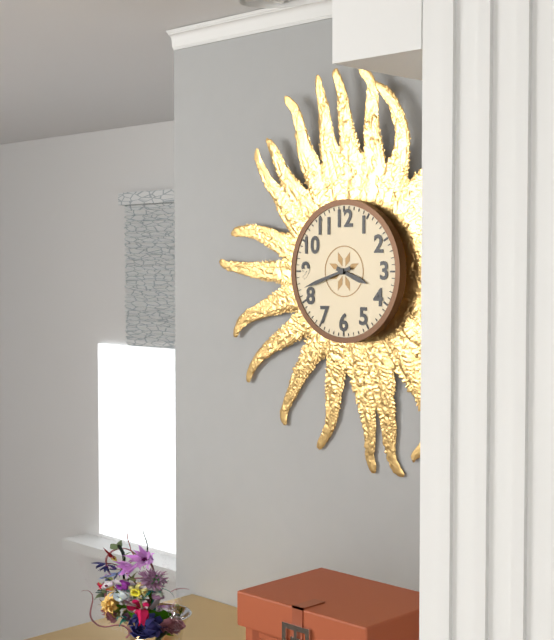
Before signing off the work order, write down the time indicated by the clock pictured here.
3:42
